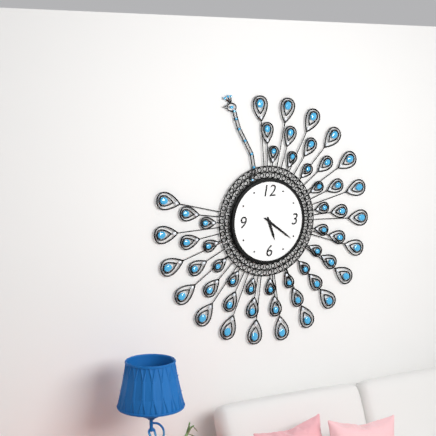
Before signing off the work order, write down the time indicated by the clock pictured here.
5:21
